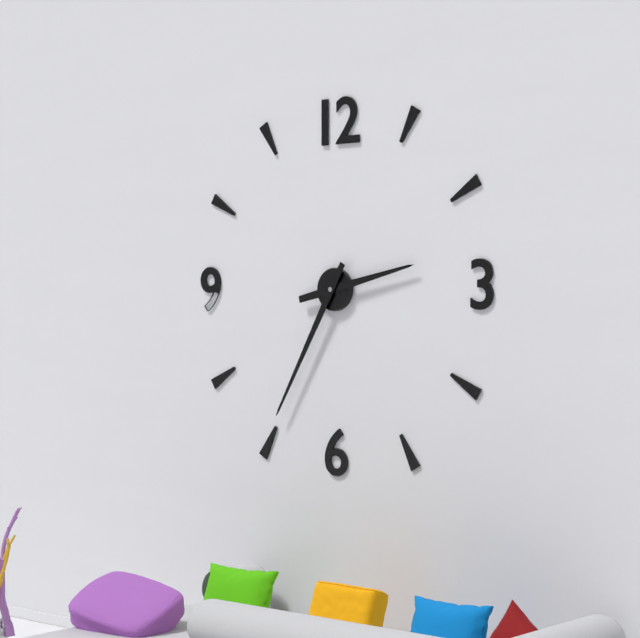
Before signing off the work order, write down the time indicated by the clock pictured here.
2:35
